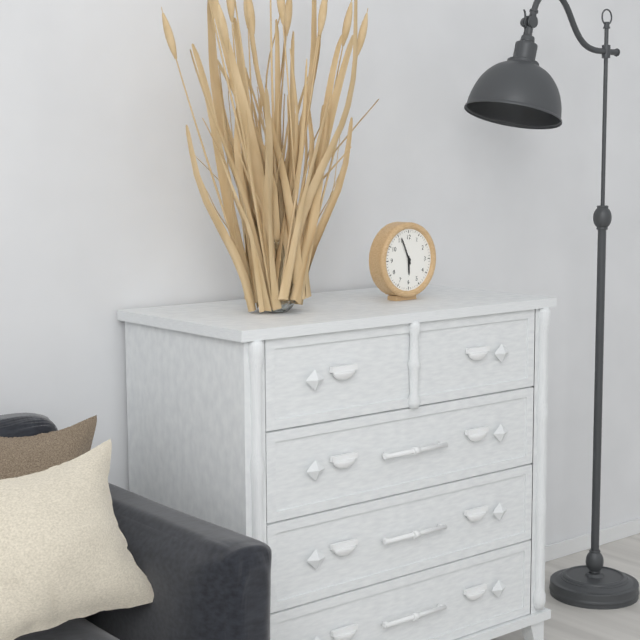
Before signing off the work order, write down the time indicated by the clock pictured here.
5:56
